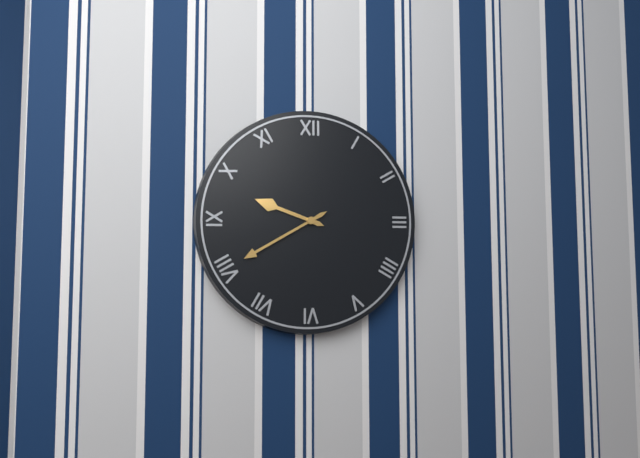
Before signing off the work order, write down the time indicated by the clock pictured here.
9:40
